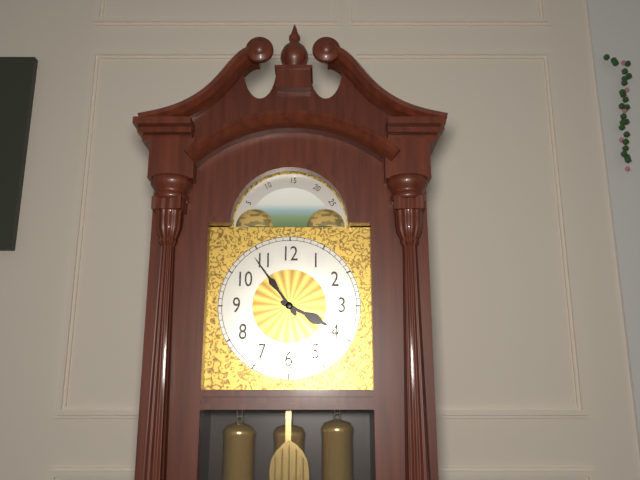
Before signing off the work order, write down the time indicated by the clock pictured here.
3:54
